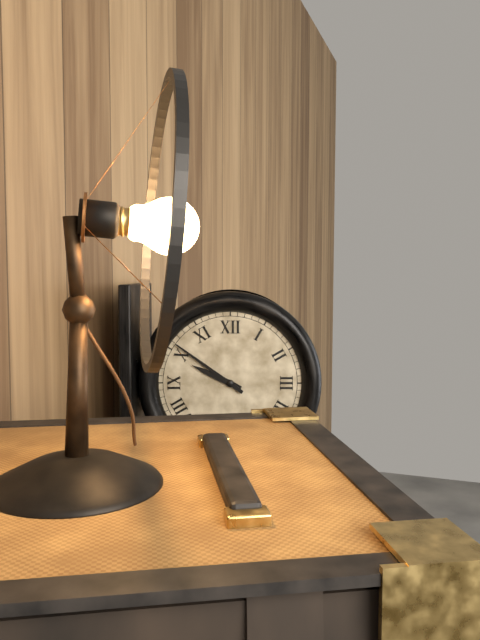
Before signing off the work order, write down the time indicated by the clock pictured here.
9:51
